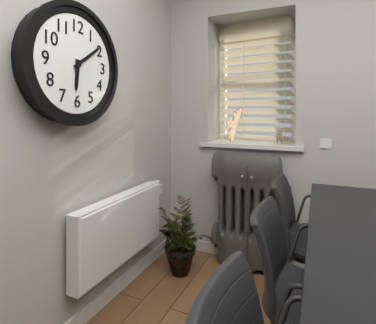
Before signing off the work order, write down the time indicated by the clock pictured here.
6:09
